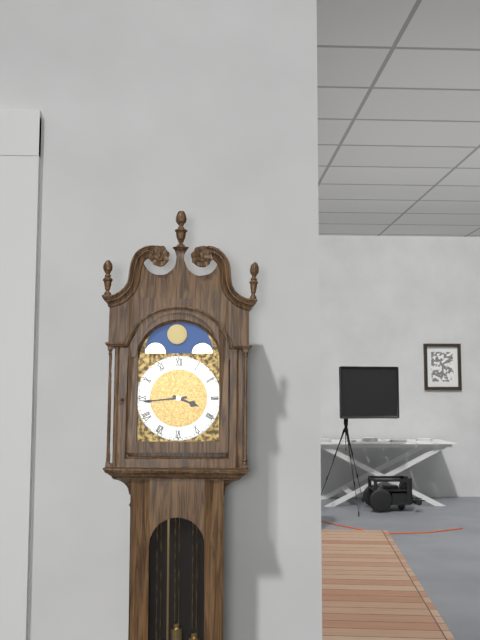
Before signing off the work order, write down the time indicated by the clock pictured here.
3:44
